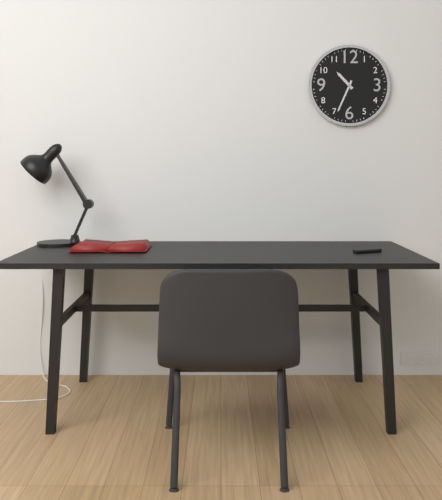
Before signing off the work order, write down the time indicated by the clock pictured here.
10:34
